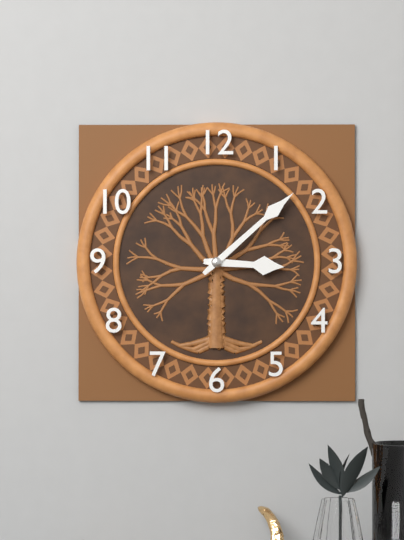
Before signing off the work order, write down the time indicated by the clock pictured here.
3:08
